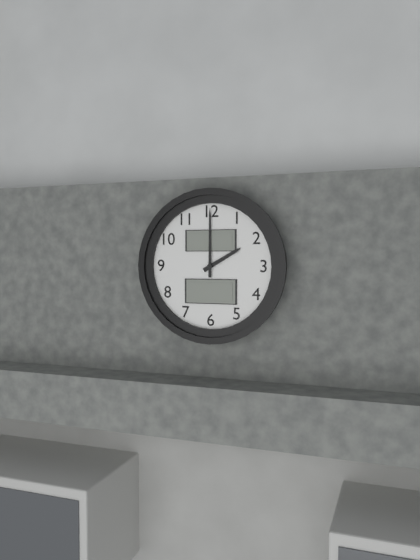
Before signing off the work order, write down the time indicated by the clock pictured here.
2:00
